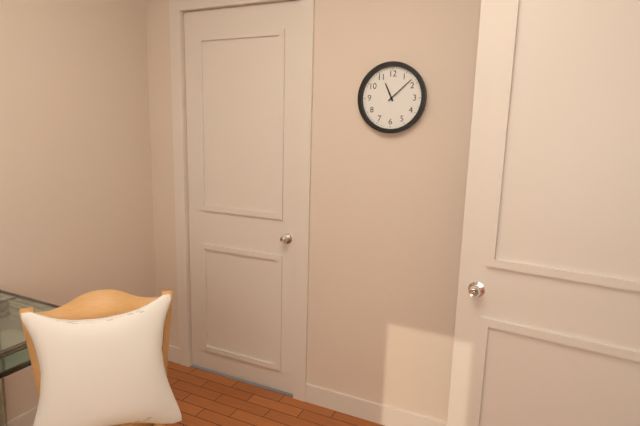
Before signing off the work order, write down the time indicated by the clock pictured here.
11:08
